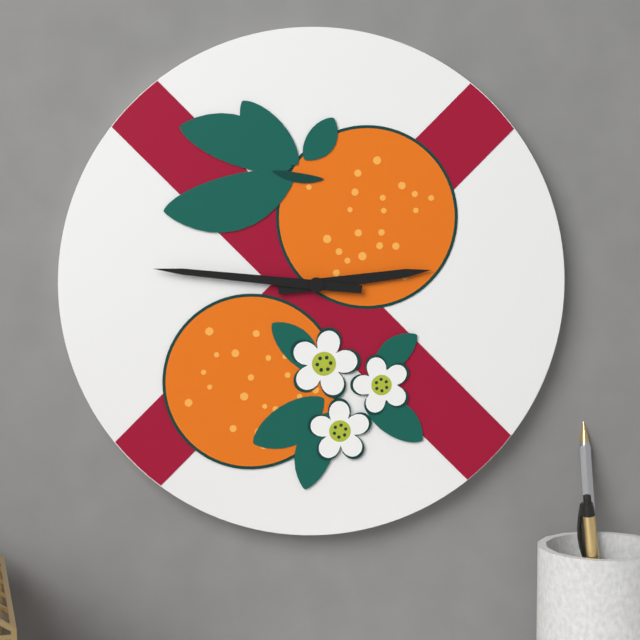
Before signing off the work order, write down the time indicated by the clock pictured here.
2:46
